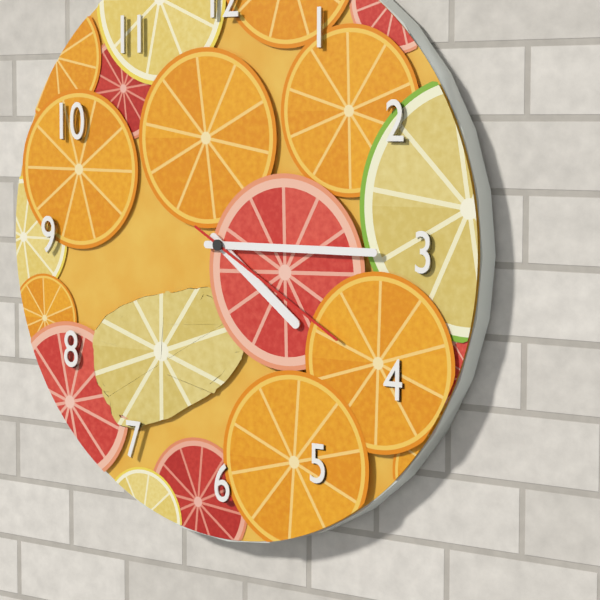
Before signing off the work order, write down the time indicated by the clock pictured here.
4:15:20
